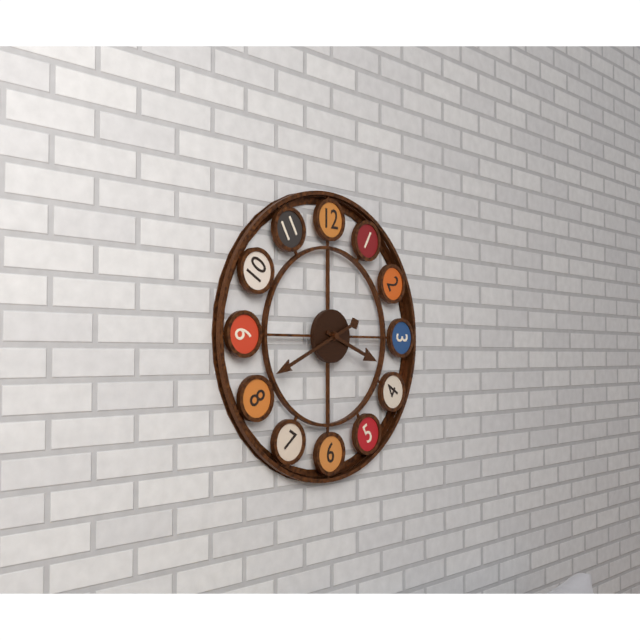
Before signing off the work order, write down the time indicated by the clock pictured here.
3:41
